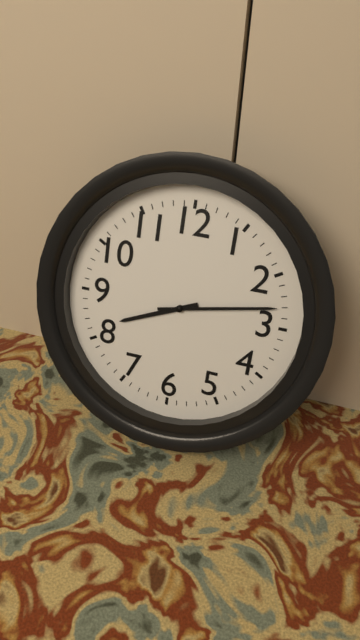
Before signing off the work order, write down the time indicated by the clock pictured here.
8:13
